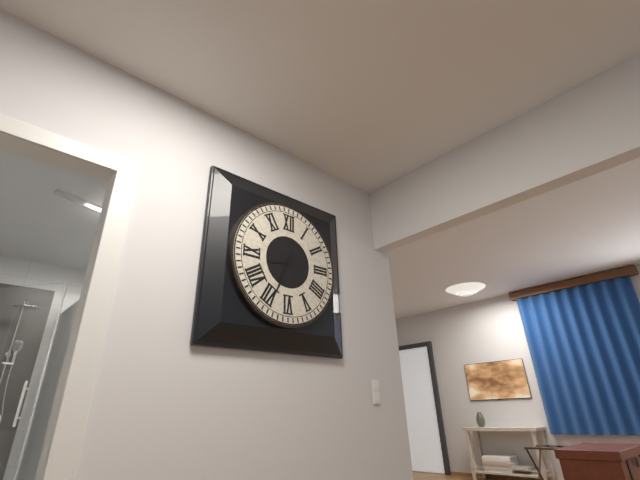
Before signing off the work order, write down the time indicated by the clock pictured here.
8:34
